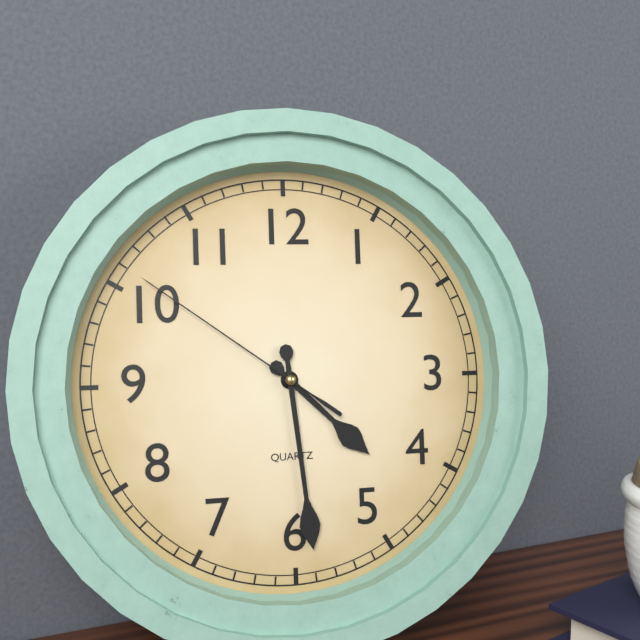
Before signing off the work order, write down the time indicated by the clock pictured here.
4:29:51
